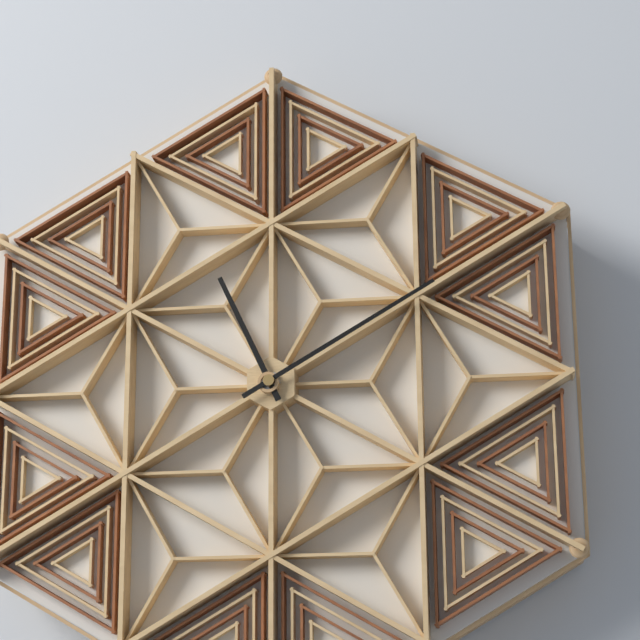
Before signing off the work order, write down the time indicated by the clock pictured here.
11:10
